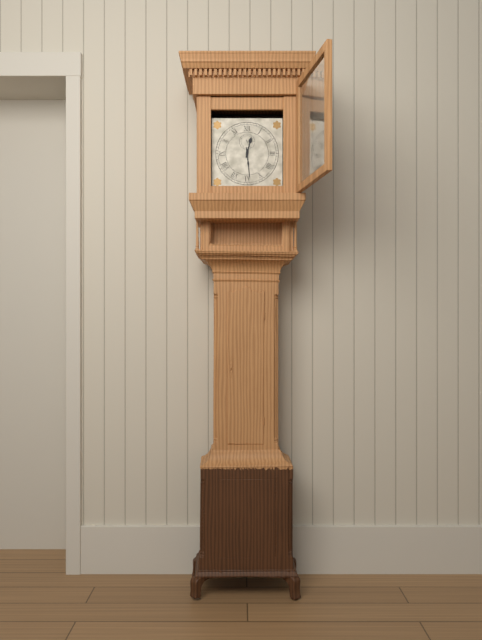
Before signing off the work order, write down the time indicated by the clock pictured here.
12:29
